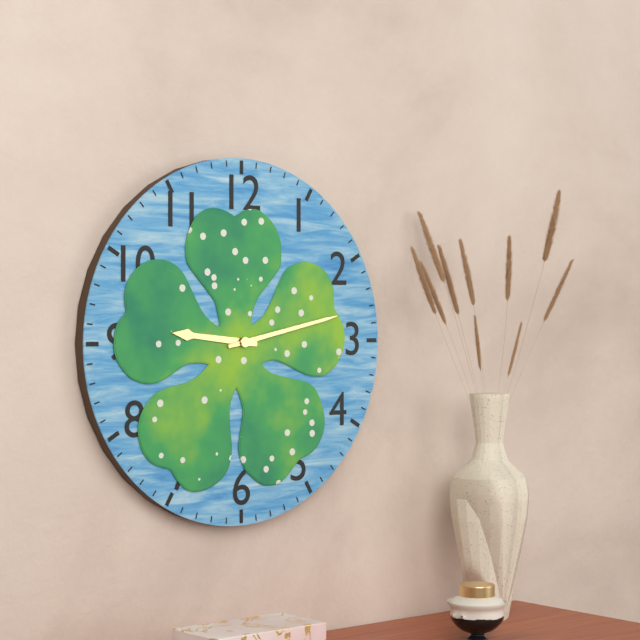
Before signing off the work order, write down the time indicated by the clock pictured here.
9:13
